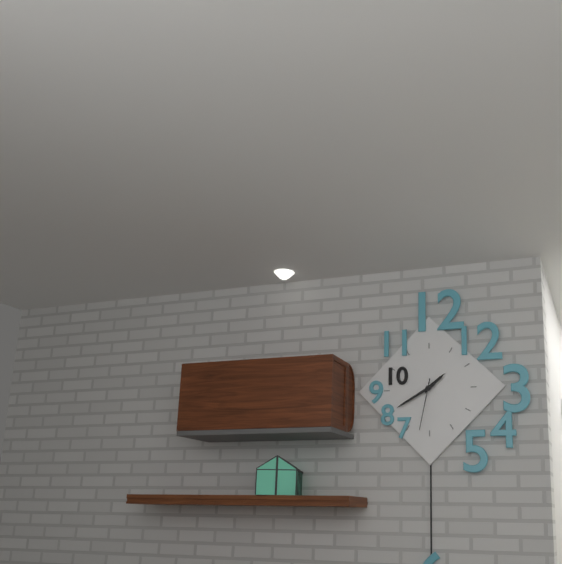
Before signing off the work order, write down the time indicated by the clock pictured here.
1:40:32
